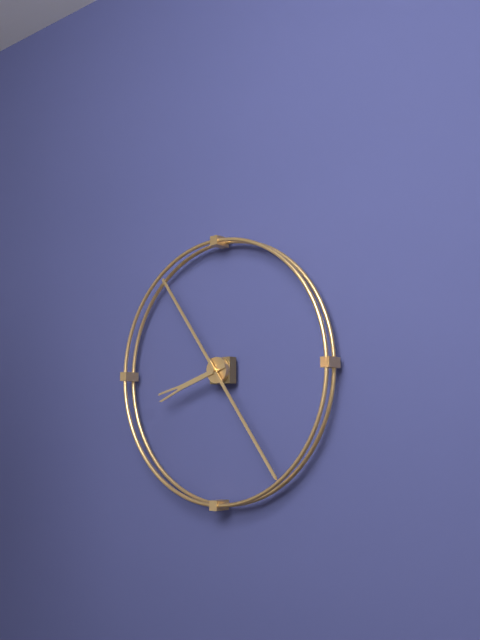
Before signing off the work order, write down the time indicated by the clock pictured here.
8:24
